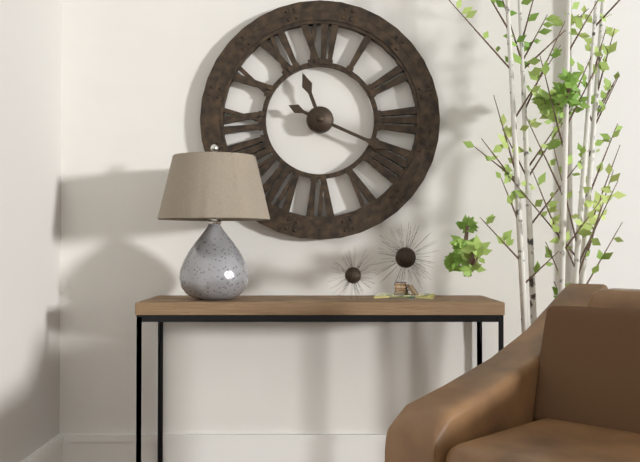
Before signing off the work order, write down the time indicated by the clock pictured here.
11:19
